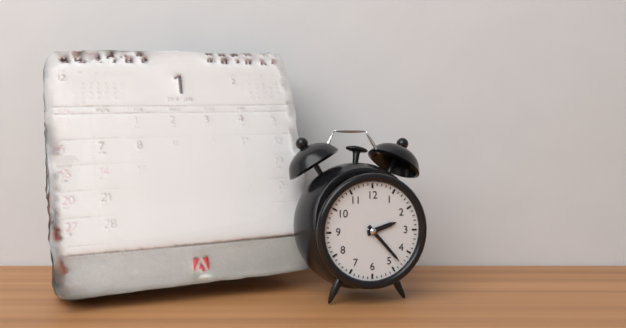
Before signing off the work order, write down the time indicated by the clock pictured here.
2:23
